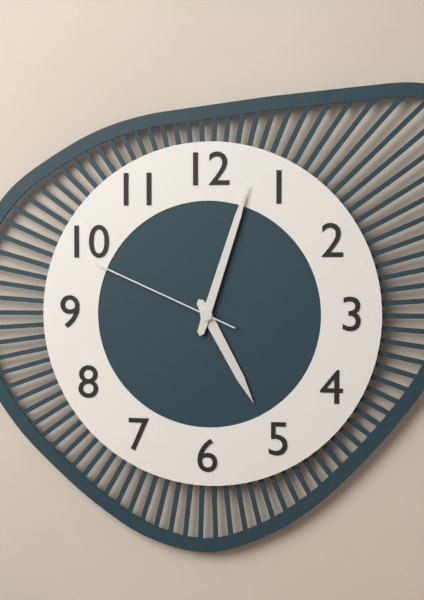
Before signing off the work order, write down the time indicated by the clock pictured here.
5:03:49
